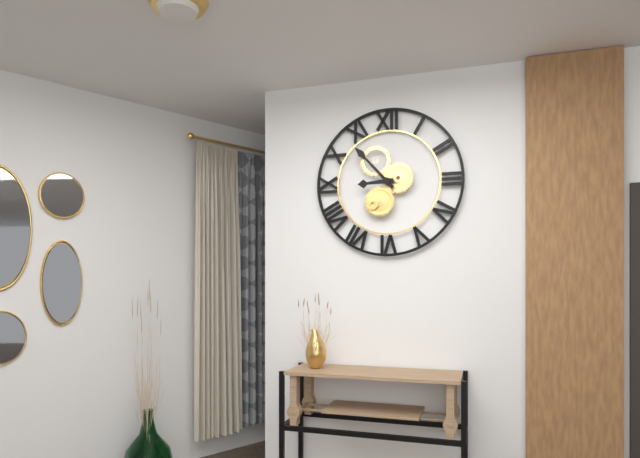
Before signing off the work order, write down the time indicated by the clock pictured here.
8:53
